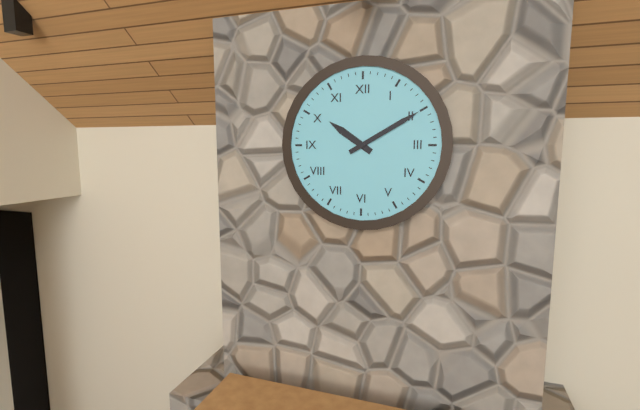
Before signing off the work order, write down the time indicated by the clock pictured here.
10:10
